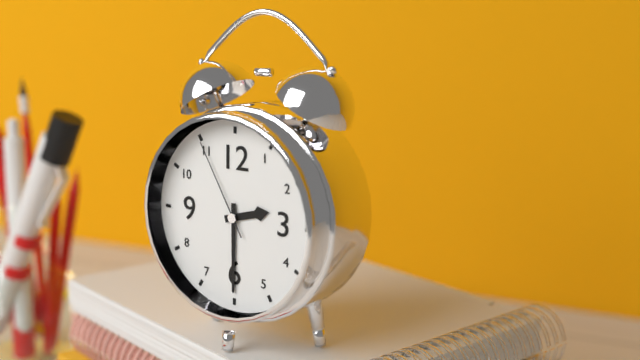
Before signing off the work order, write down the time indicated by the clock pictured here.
2:30:55
